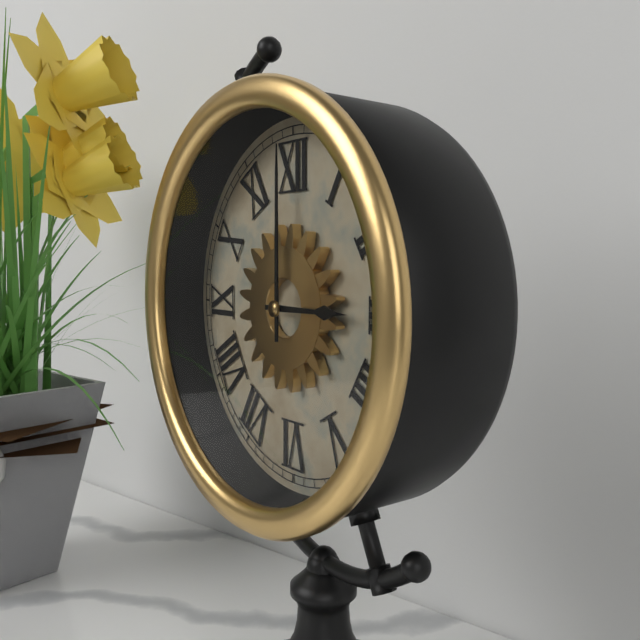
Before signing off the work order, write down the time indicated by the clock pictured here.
3:00
